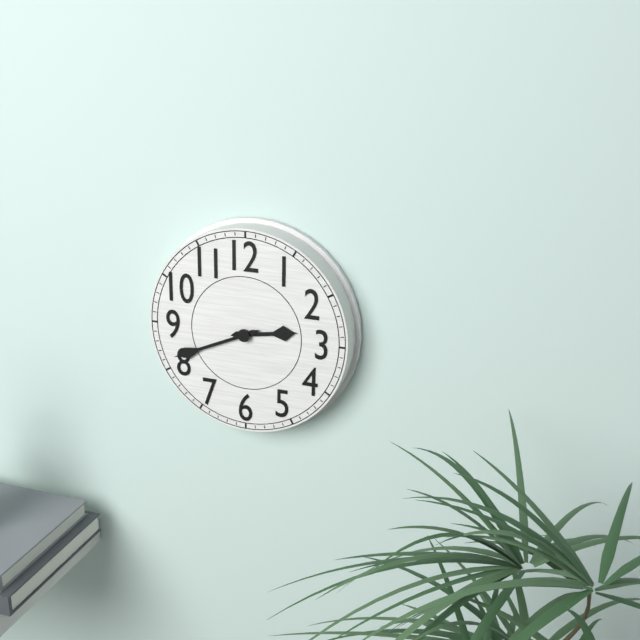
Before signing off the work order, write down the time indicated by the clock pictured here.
2:41
